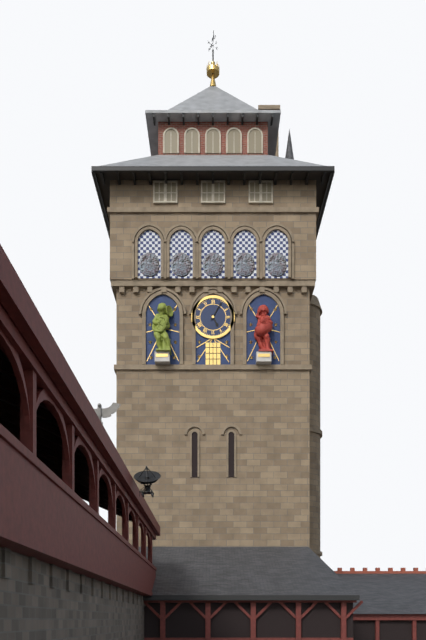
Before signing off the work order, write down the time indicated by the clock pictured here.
5:05
